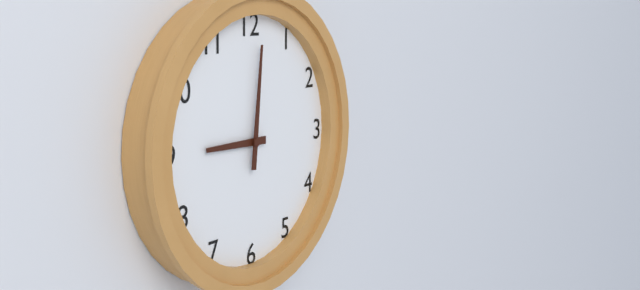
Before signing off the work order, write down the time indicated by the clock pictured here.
9:01
